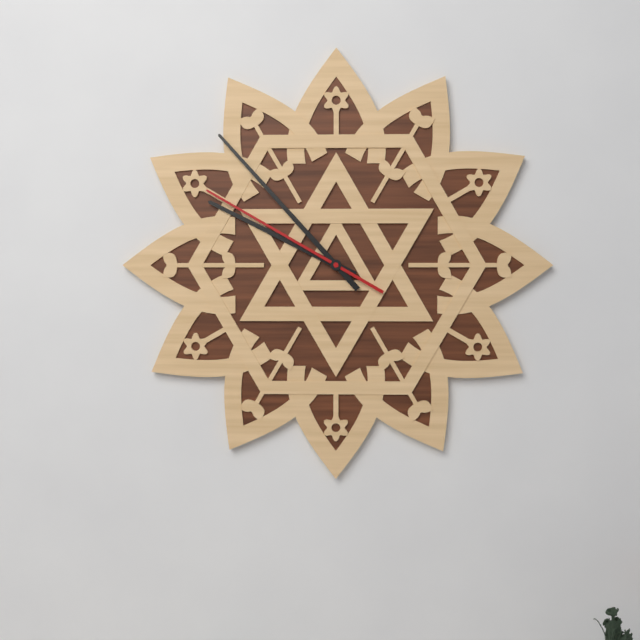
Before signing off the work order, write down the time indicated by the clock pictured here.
9:53:50
